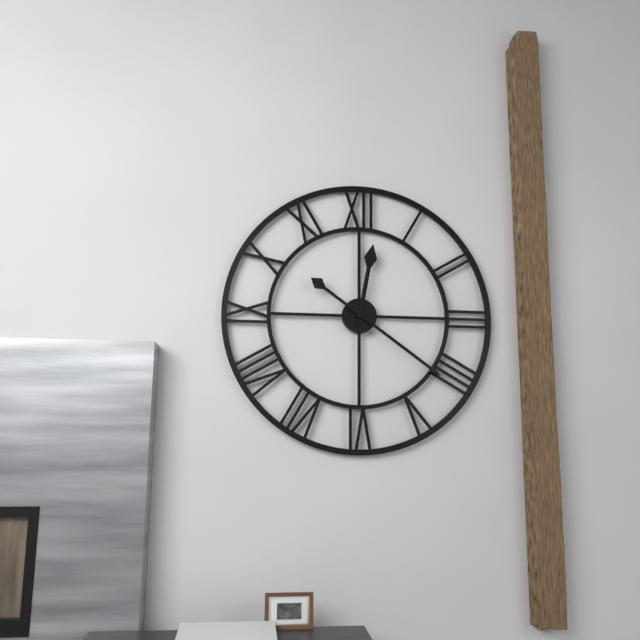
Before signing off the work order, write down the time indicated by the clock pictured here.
12:21
